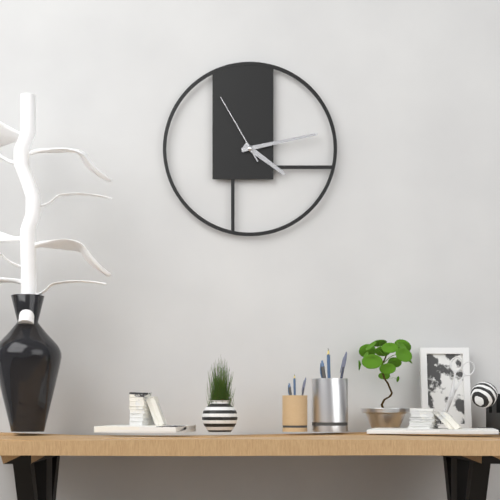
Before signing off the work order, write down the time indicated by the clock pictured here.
4:13:55
